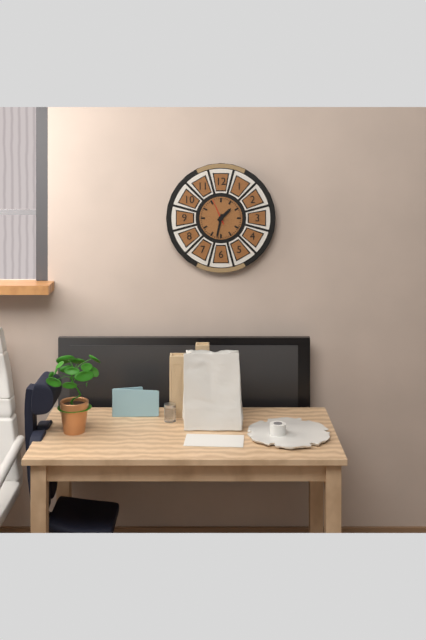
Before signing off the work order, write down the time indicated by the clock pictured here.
1:32
